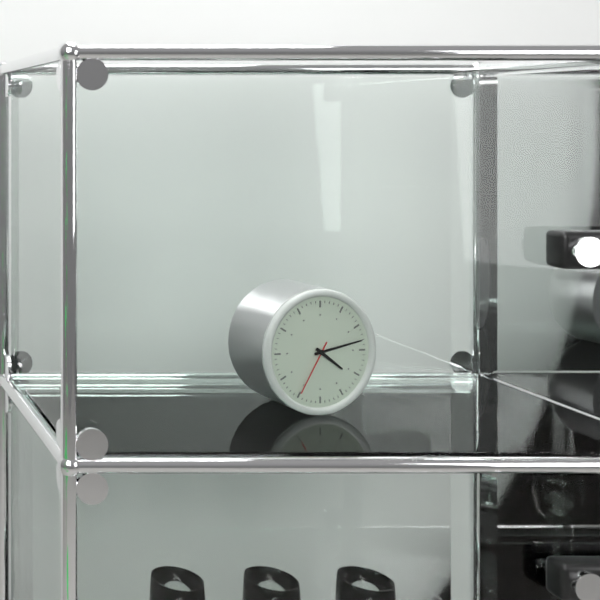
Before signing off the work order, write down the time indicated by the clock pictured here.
4:13:35
